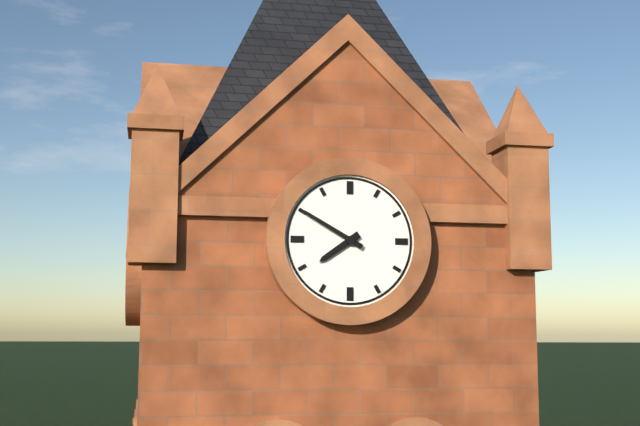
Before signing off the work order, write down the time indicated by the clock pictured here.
7:50
